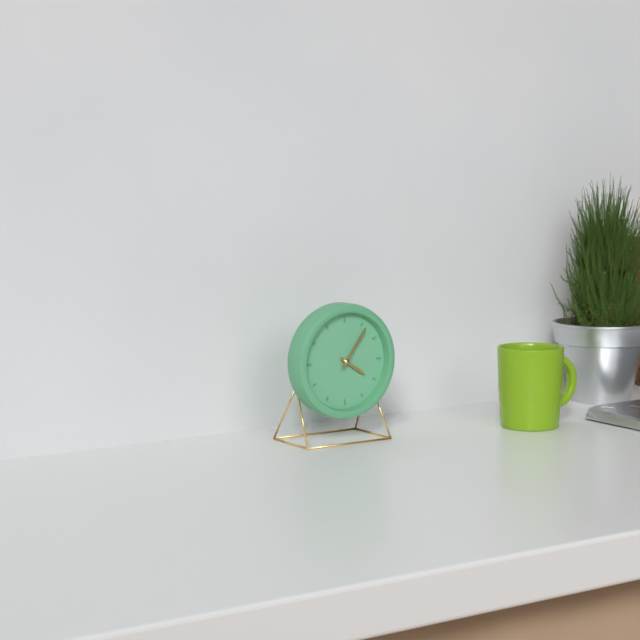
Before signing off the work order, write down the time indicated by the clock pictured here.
4:06
